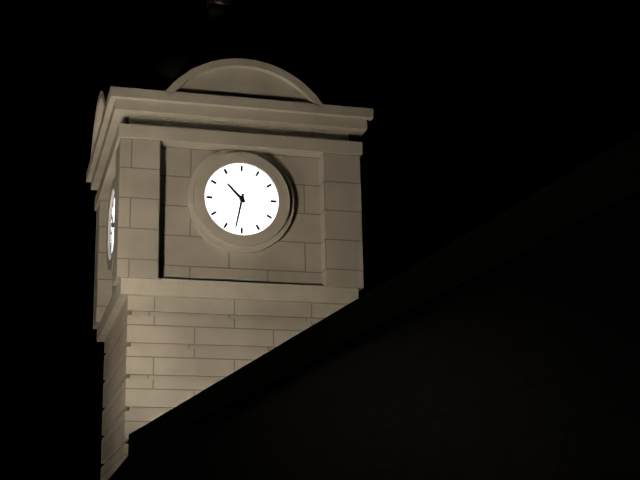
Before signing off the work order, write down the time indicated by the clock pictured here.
10:32
